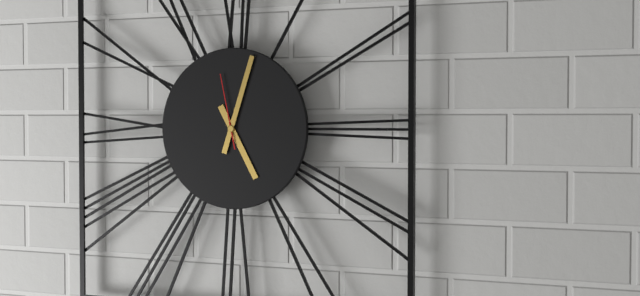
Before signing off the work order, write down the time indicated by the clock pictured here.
5:03:58
